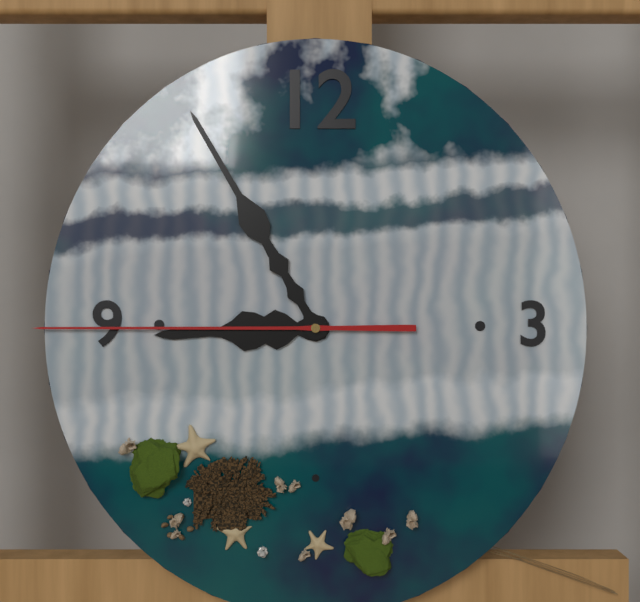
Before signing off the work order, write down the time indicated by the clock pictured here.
8:55:45
